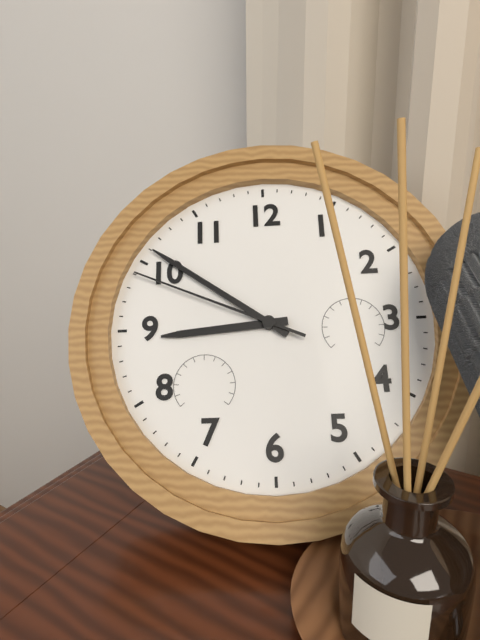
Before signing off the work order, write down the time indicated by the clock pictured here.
8:51:49
